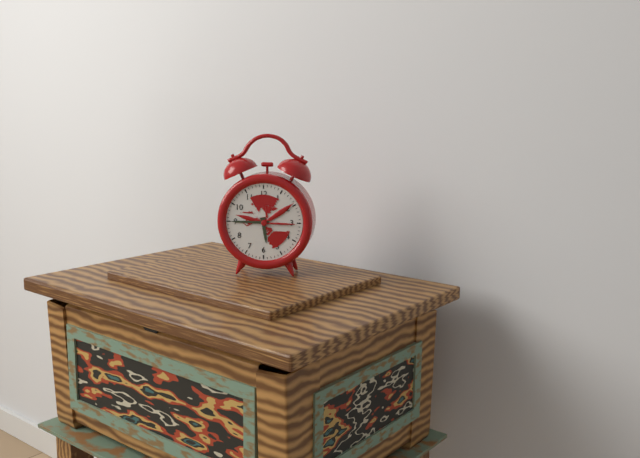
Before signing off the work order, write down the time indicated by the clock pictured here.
5:45
